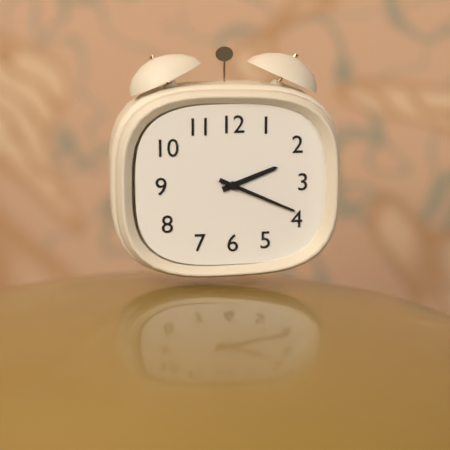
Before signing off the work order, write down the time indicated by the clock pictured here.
2:19
